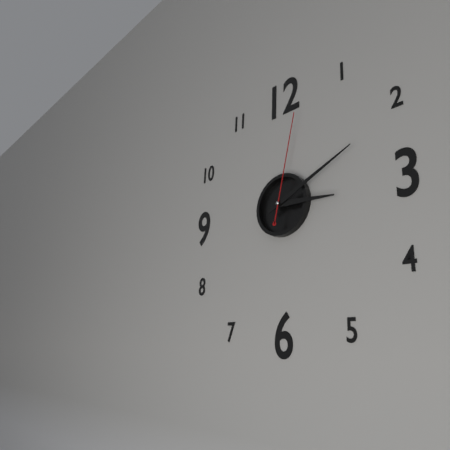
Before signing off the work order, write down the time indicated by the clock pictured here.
3:11:02
